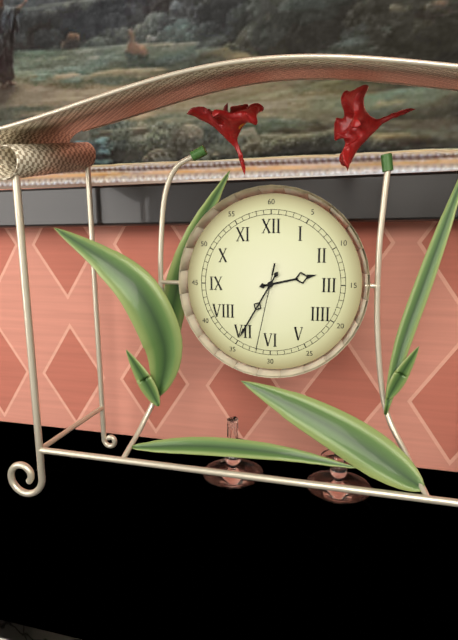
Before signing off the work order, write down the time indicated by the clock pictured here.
2:35:32
